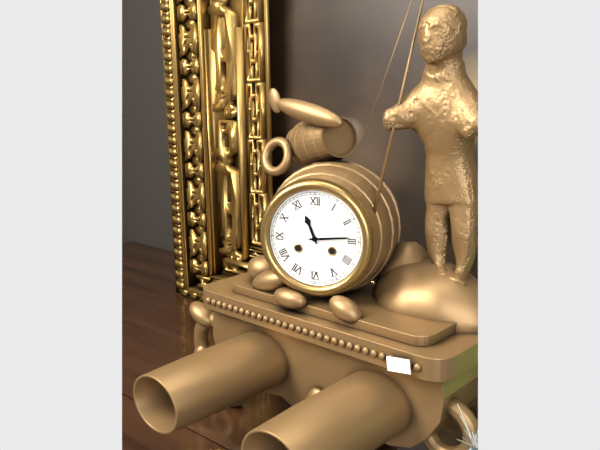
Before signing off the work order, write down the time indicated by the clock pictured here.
11:14
